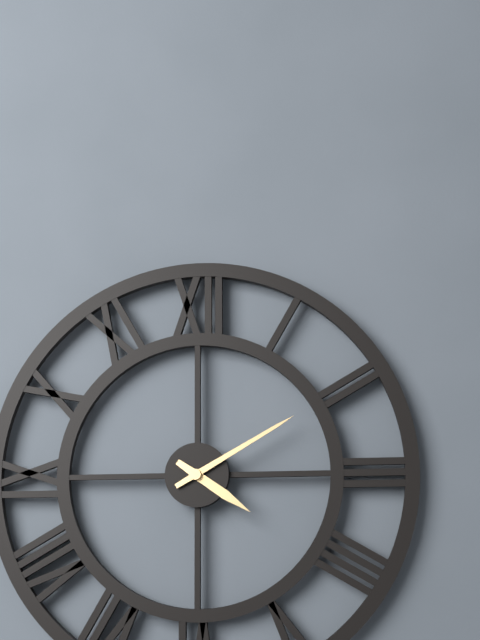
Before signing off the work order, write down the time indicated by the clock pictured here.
4:10
